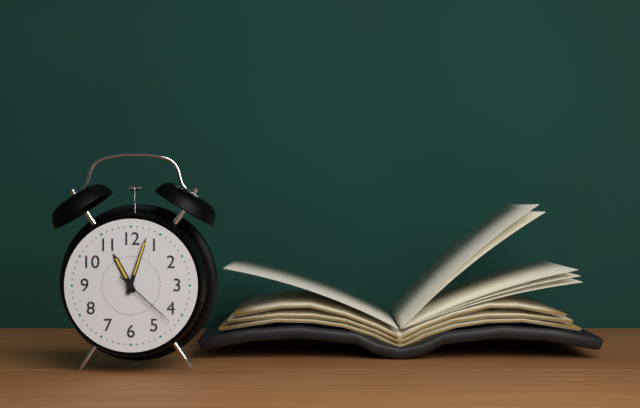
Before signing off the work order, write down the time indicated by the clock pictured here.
11:03:22
